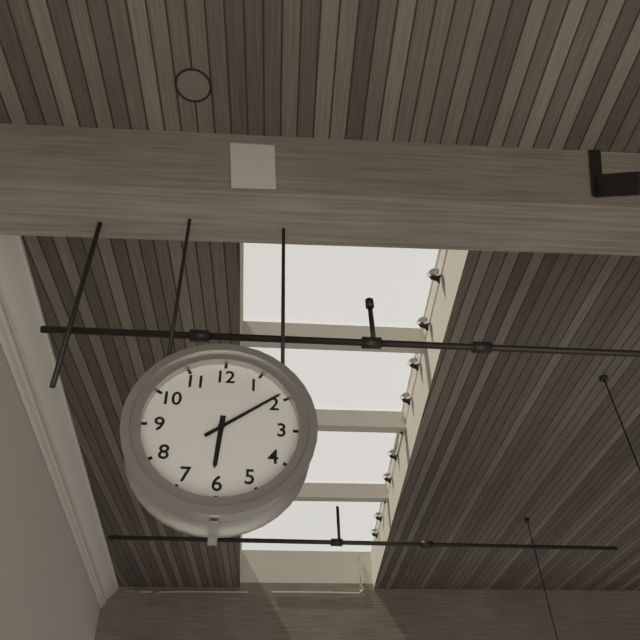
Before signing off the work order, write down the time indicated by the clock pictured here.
6:09
